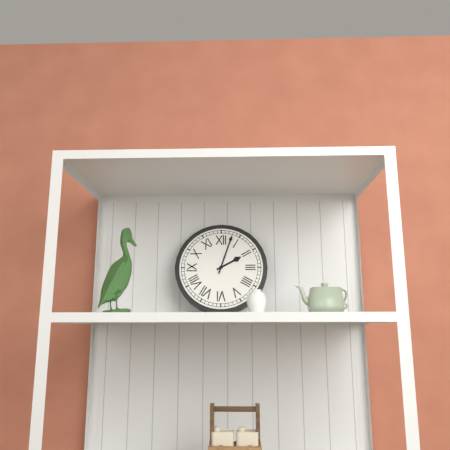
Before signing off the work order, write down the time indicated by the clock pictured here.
2:03
